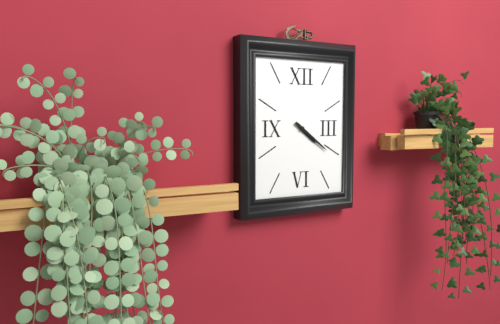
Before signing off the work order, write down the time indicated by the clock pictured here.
4:21
